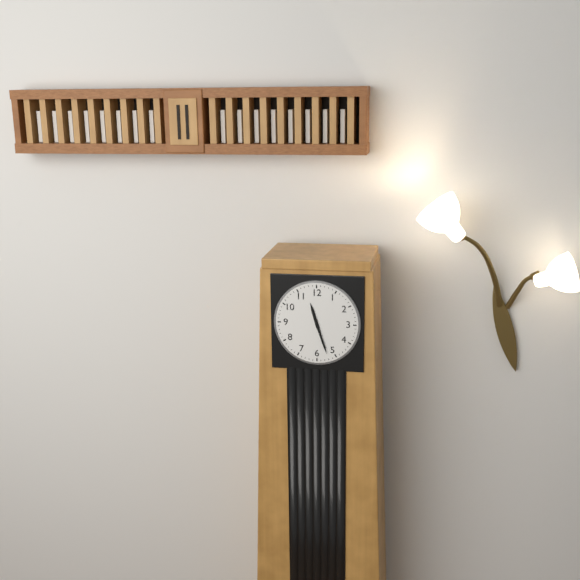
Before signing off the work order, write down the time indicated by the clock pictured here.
11:27
